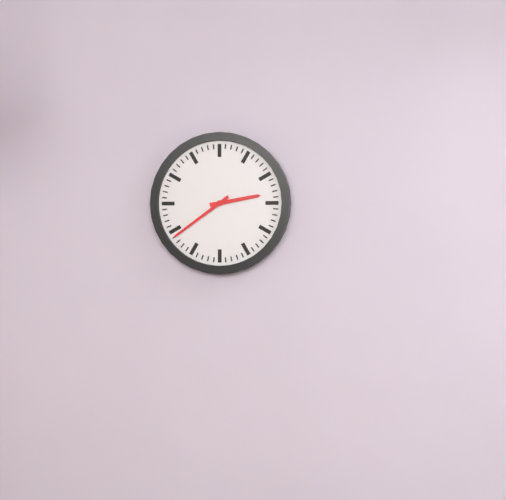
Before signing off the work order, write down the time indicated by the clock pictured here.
2:39
